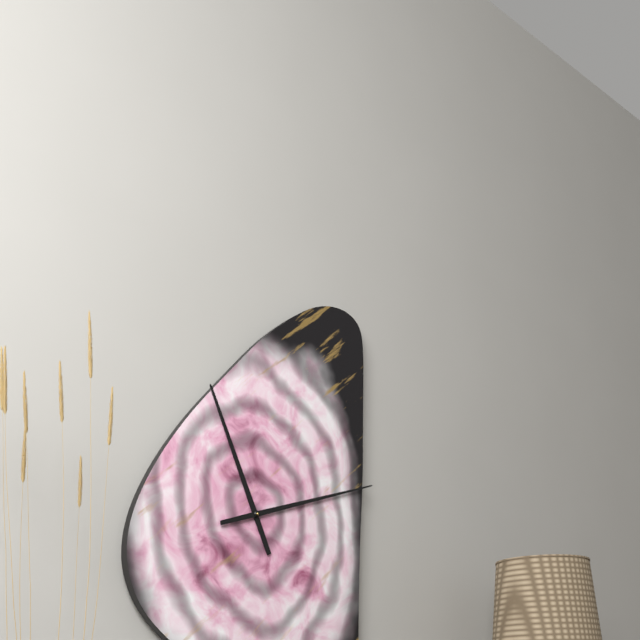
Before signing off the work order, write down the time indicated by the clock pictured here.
11:12
